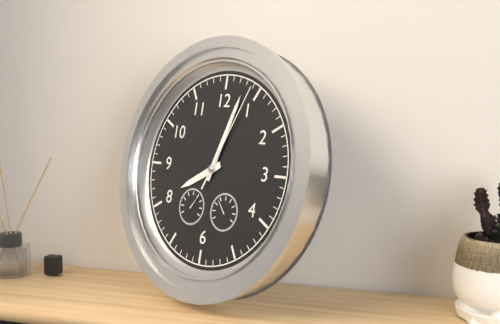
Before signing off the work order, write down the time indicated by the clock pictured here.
8:03:04
